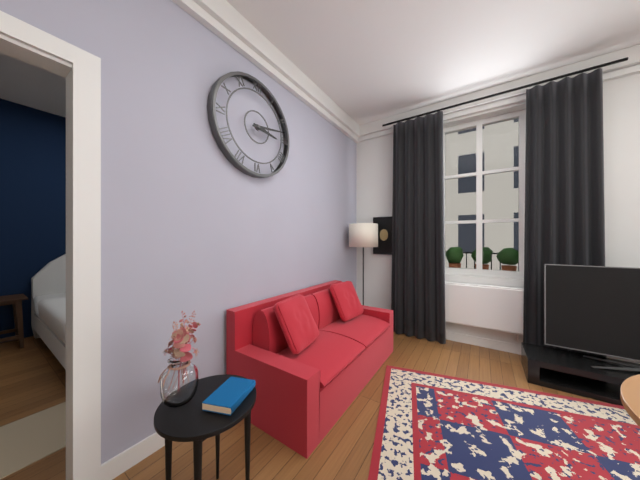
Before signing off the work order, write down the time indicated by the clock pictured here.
3:13
